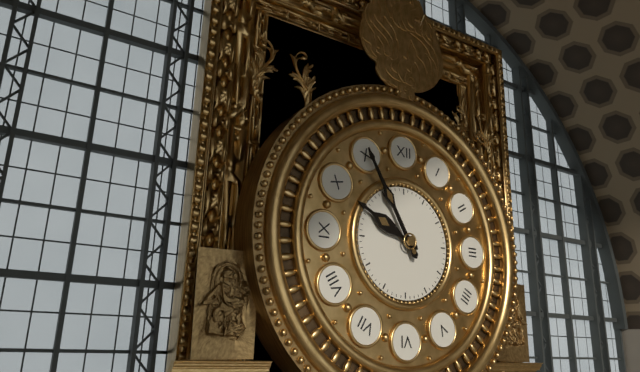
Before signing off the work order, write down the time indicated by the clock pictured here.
9:55
